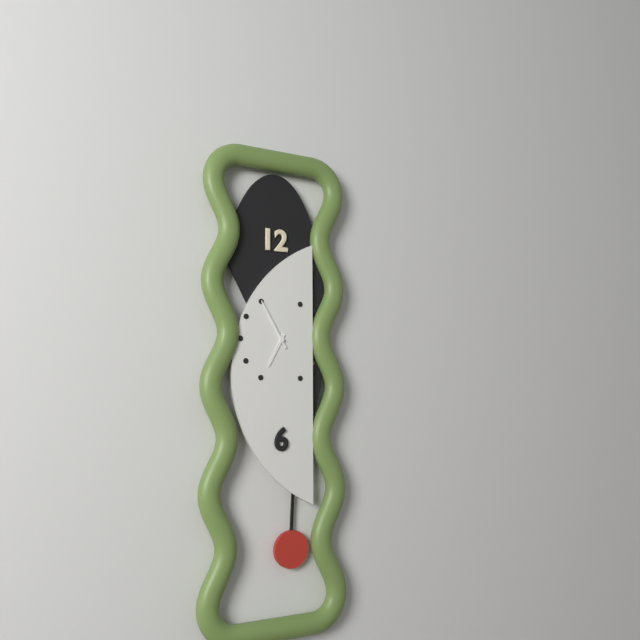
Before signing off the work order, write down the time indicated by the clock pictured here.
6:55
